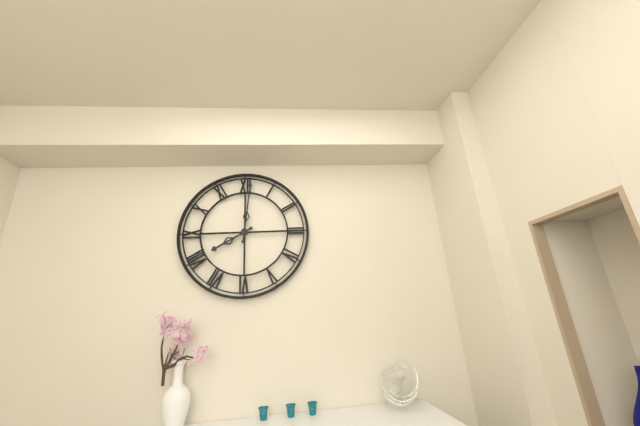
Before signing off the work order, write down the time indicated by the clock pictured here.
8:01
